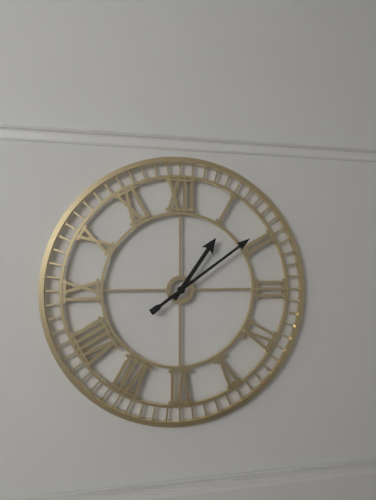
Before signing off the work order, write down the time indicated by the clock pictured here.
1:09
